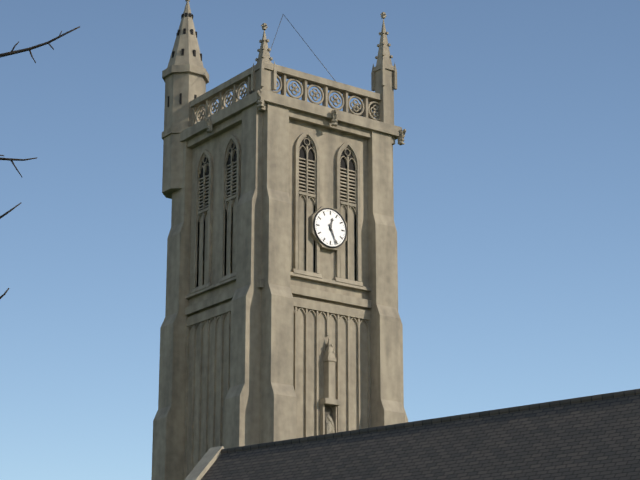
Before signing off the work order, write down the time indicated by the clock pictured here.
12:26
